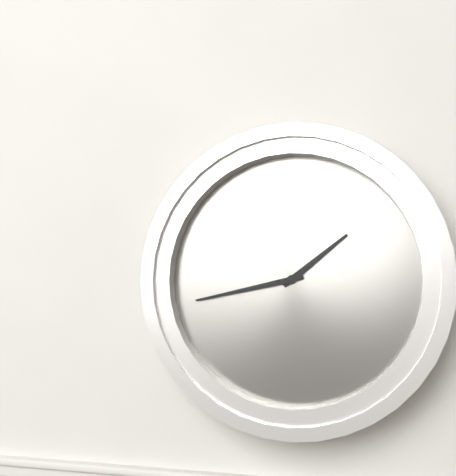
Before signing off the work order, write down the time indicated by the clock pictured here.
1:43
